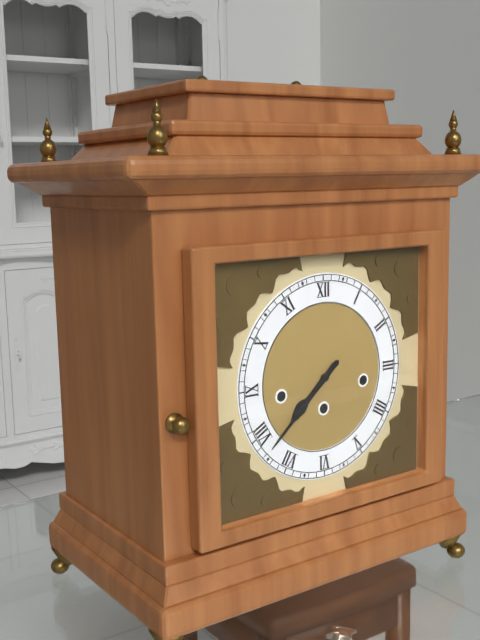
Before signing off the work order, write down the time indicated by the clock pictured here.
7:38
